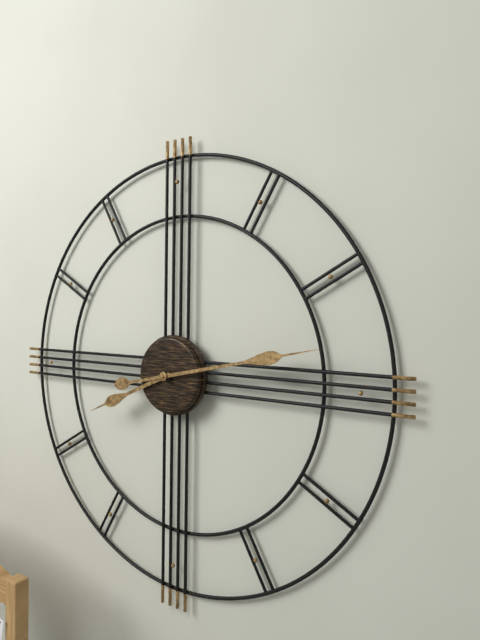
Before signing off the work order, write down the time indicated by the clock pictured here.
8:13
